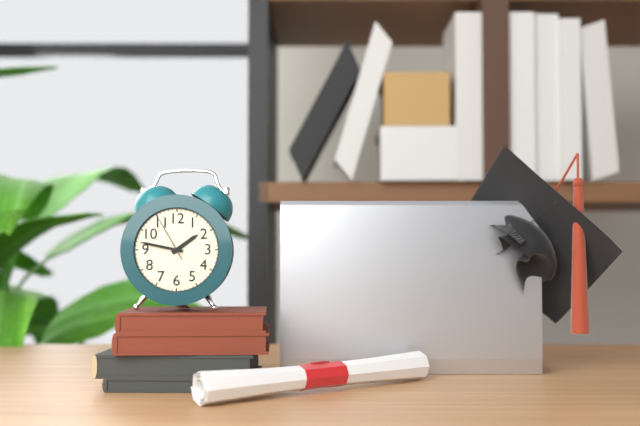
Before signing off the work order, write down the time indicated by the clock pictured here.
1:47:55
